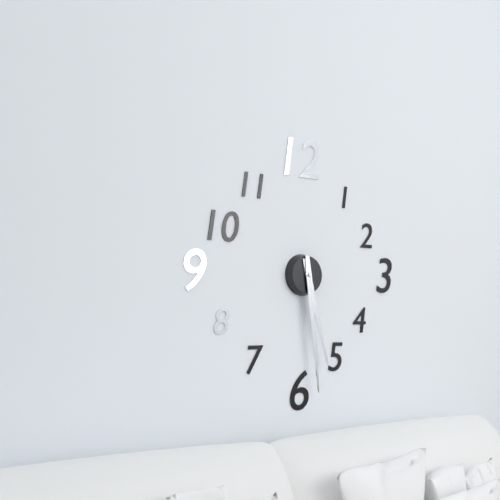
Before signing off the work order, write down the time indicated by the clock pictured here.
5:29
